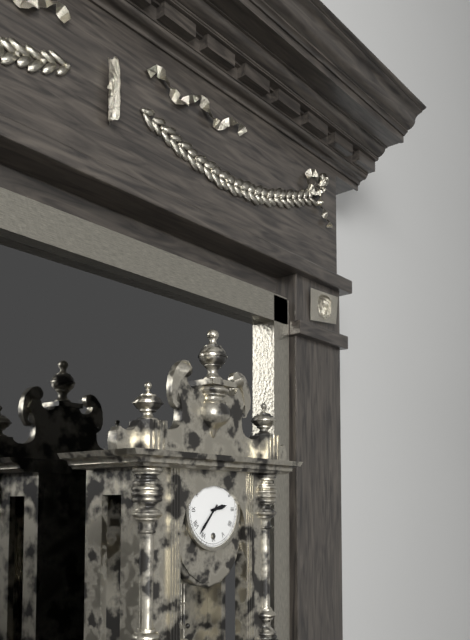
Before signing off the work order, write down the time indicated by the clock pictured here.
2:37
